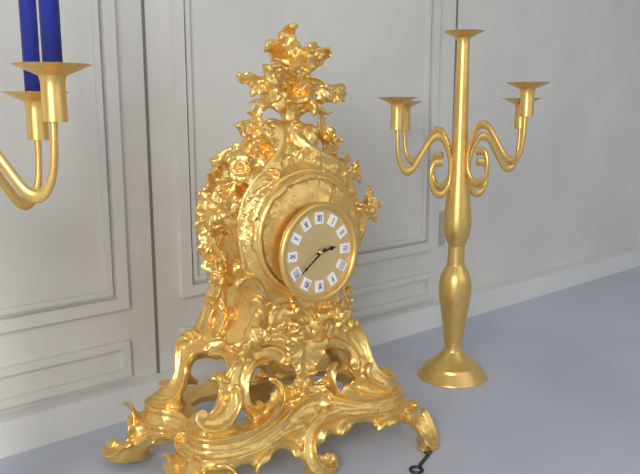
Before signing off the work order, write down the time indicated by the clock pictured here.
2:39
